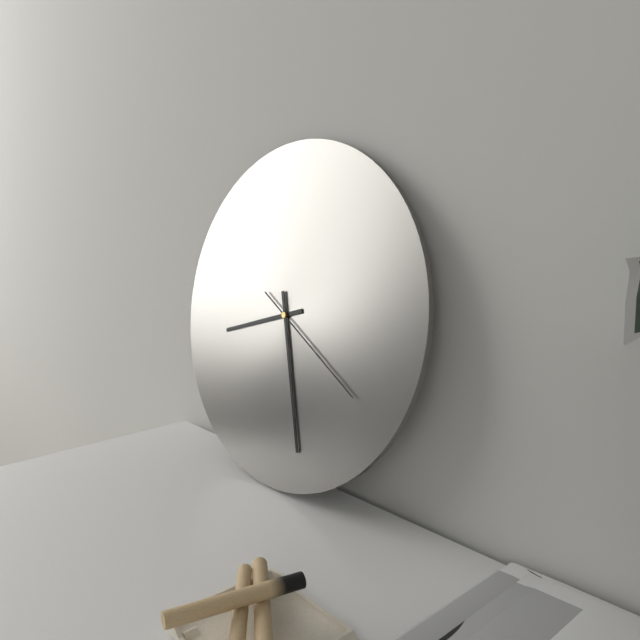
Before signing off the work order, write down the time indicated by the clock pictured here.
8:27:20
